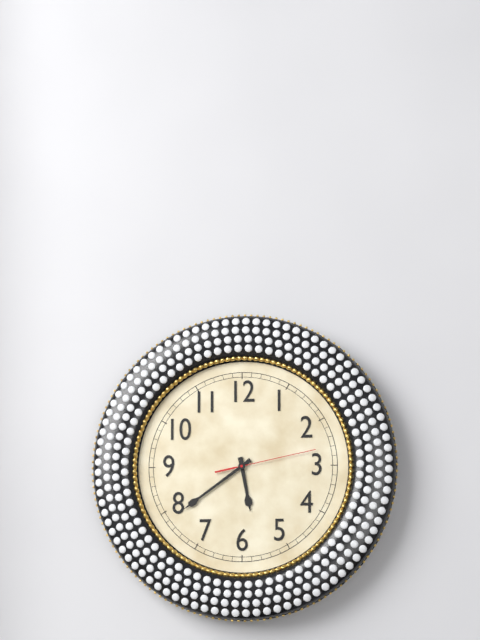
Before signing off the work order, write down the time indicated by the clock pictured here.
5:39:13
